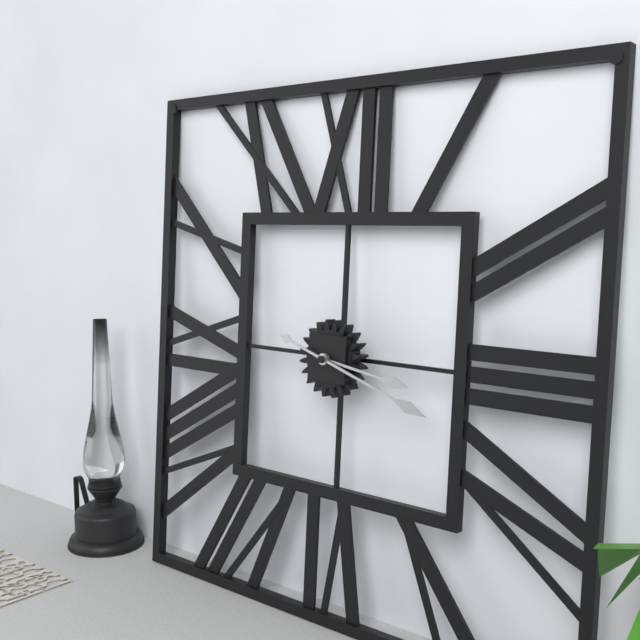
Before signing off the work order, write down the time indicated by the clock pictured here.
3:18
